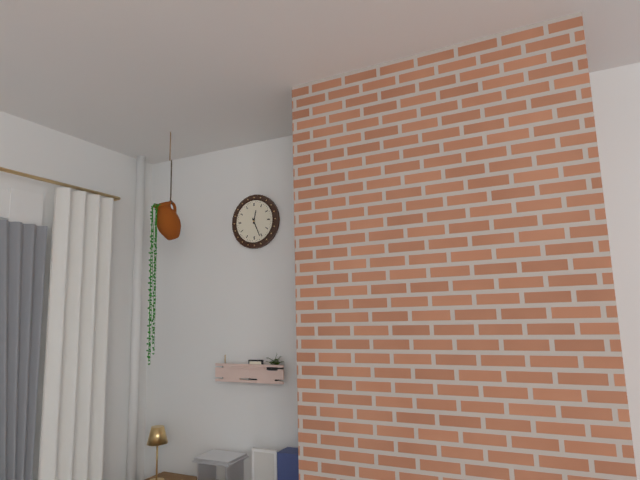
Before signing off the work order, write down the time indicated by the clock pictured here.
12:26
